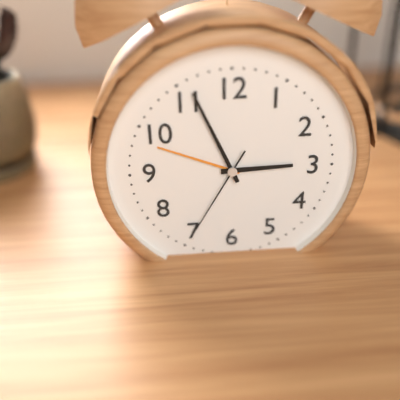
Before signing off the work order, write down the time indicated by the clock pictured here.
2:56:35
